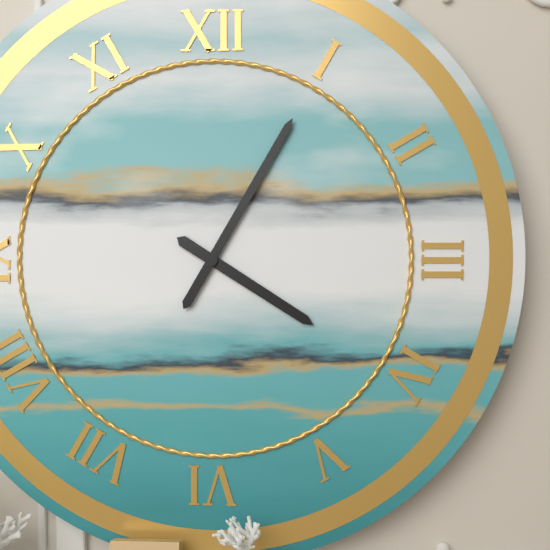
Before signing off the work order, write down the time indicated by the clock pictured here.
4:05
